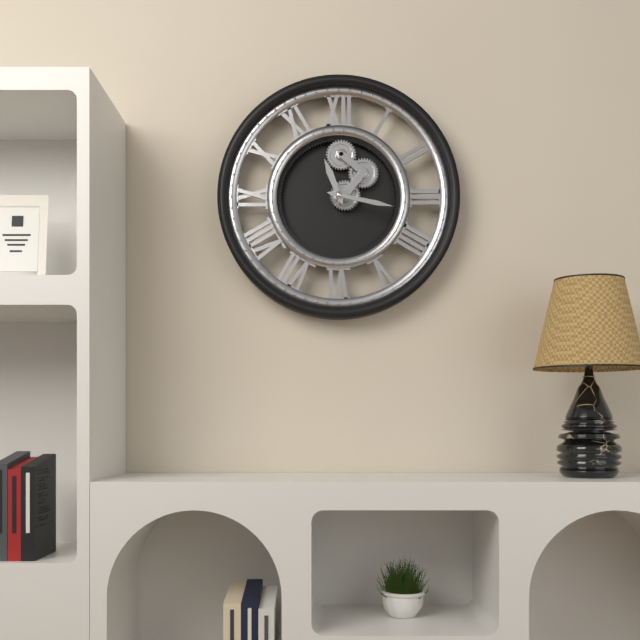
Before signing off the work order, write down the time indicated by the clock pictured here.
11:17
